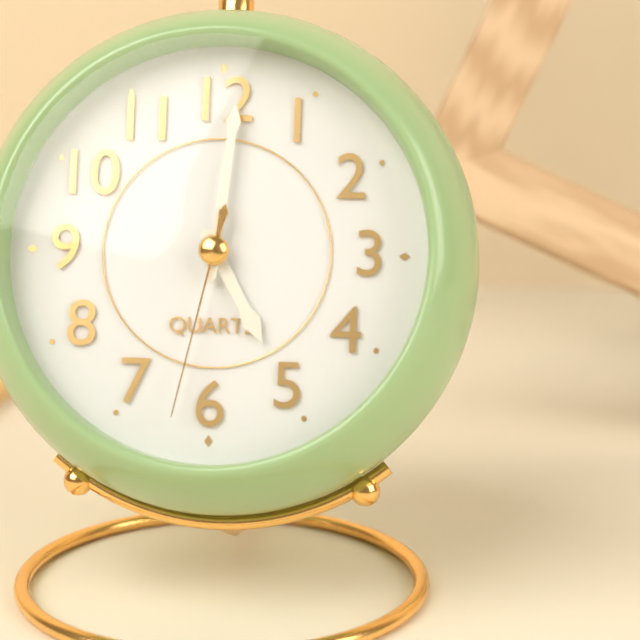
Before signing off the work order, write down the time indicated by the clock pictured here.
5:01:32
